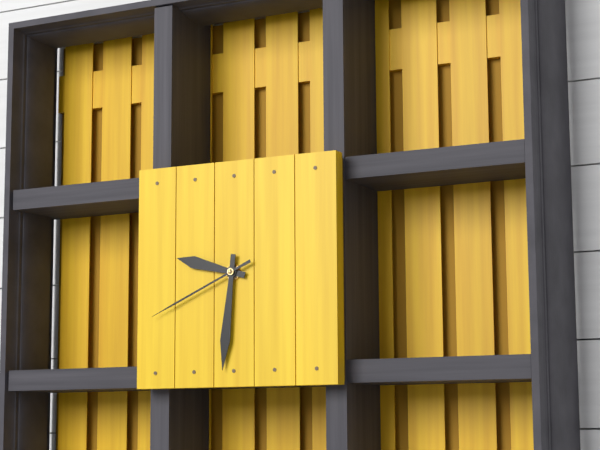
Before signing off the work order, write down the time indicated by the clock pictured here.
9:31:41
